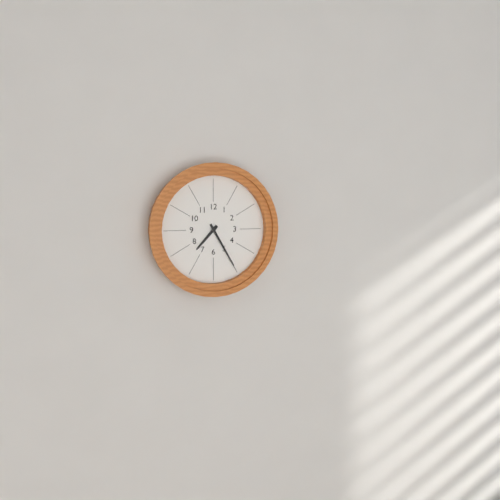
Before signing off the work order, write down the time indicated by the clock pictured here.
7:25
